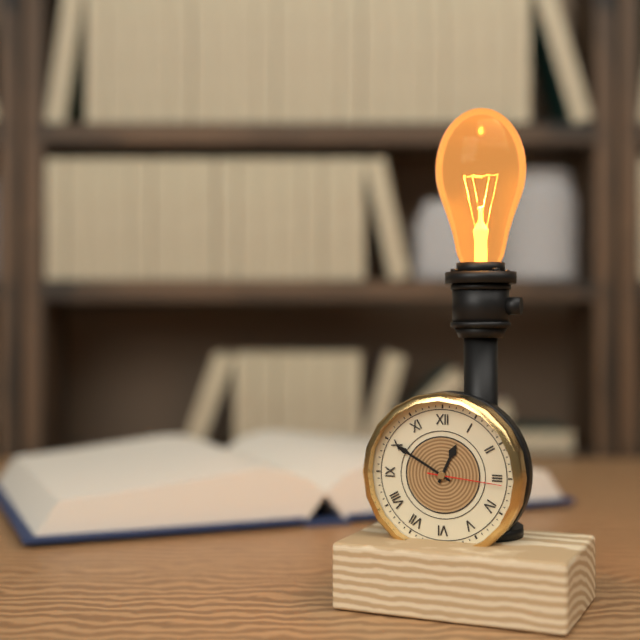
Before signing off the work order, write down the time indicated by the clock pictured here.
12:50:16
